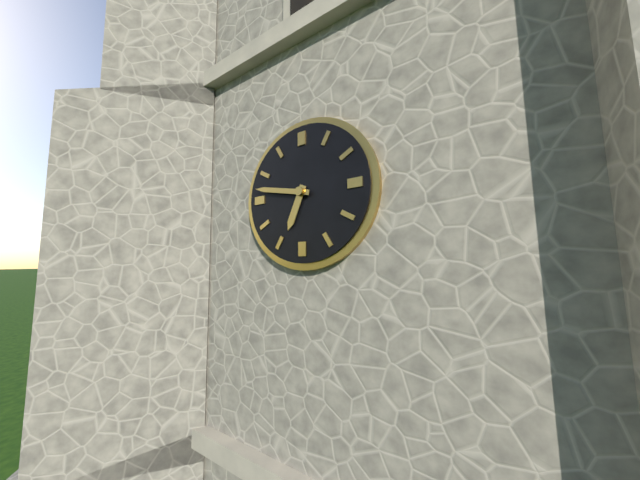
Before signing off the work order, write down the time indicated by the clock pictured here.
6:47
